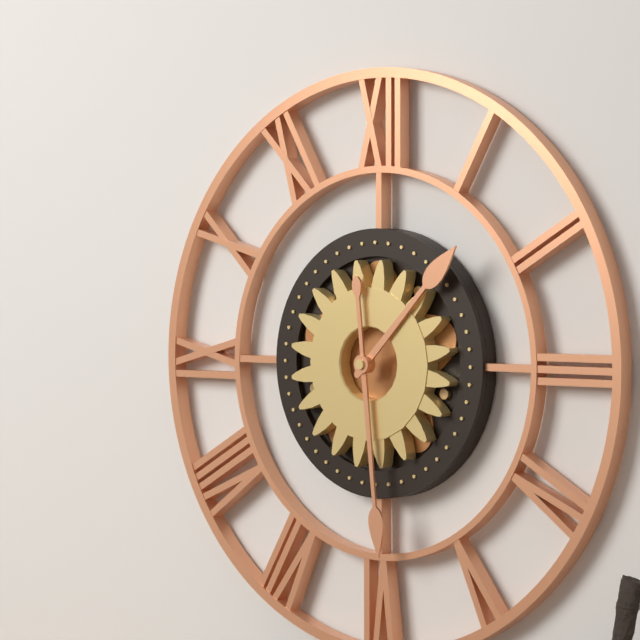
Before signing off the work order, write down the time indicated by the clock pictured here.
1:29
